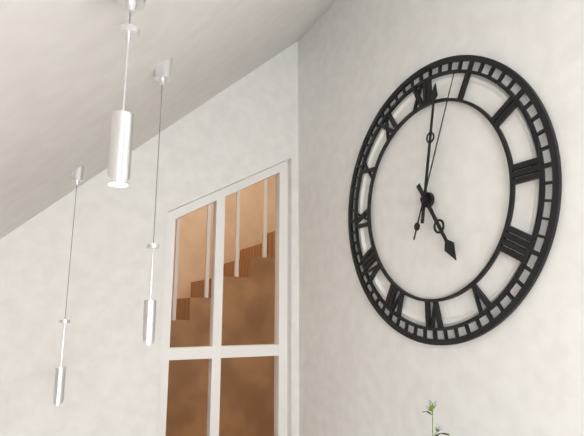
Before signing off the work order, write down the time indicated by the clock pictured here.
5:02:04
